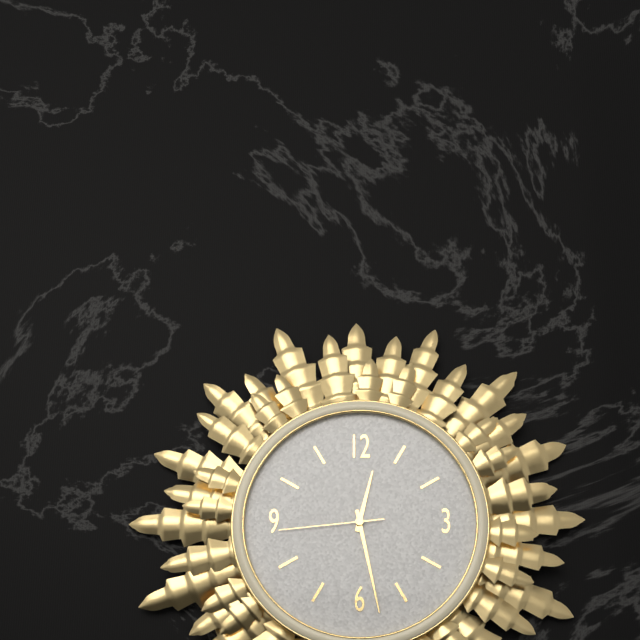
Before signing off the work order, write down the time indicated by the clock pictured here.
12:28:44
